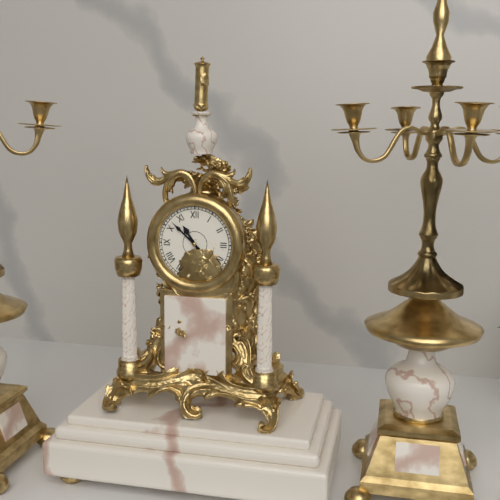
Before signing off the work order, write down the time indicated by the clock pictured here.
10:52
